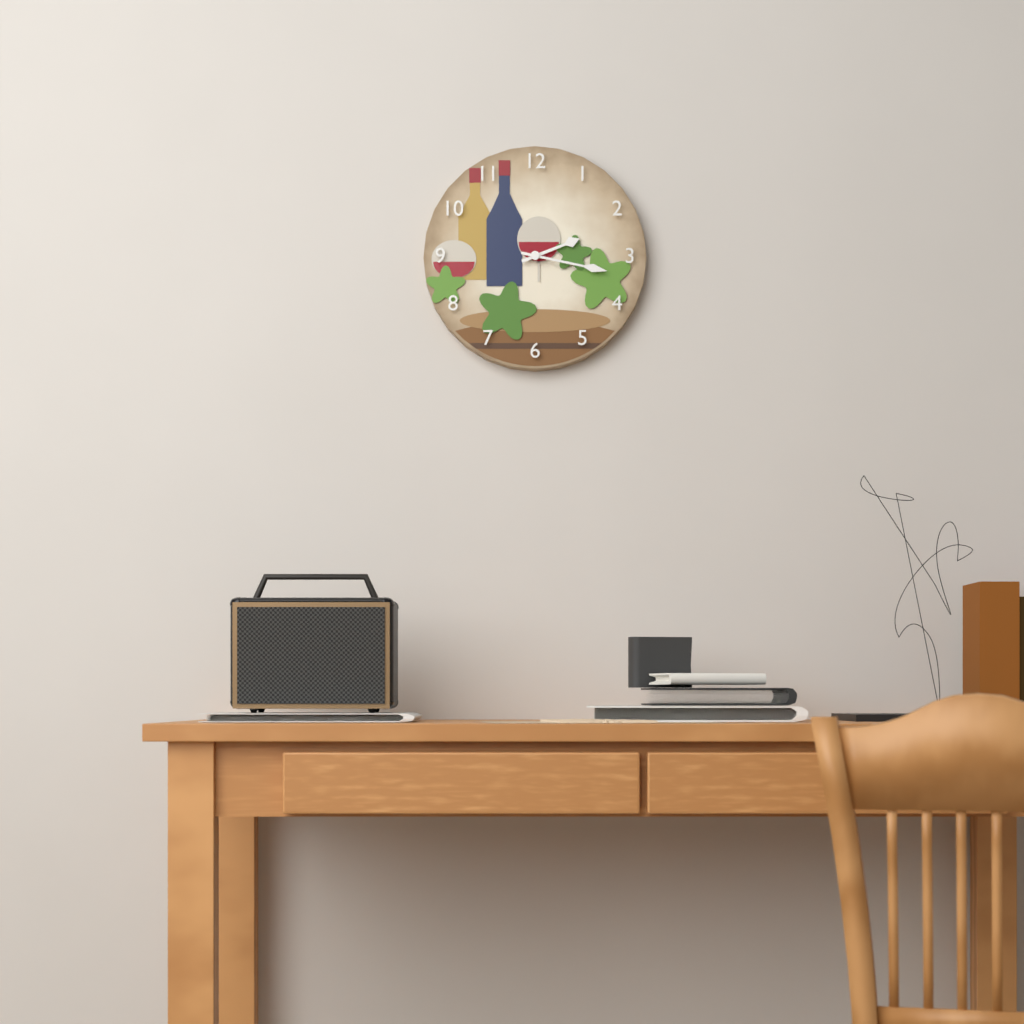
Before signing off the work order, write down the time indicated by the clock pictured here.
2:17
